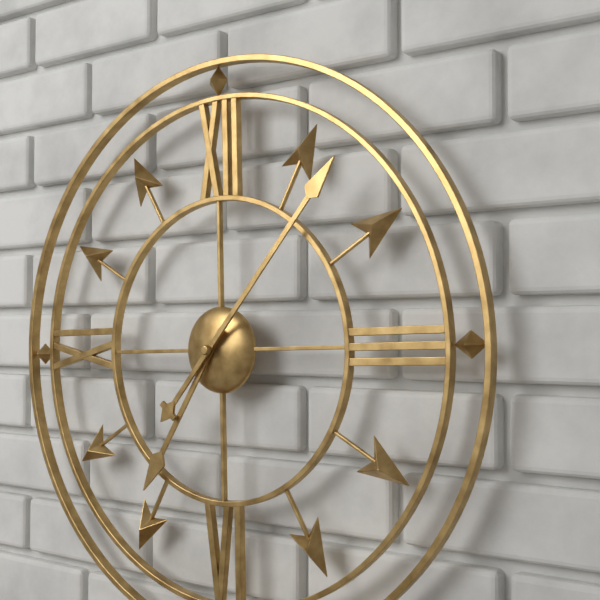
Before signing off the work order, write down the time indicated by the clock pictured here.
7:07
